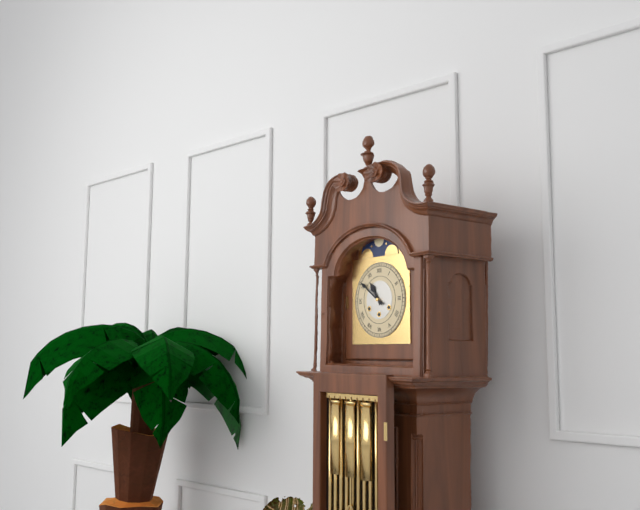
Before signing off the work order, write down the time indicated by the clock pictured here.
10:51
